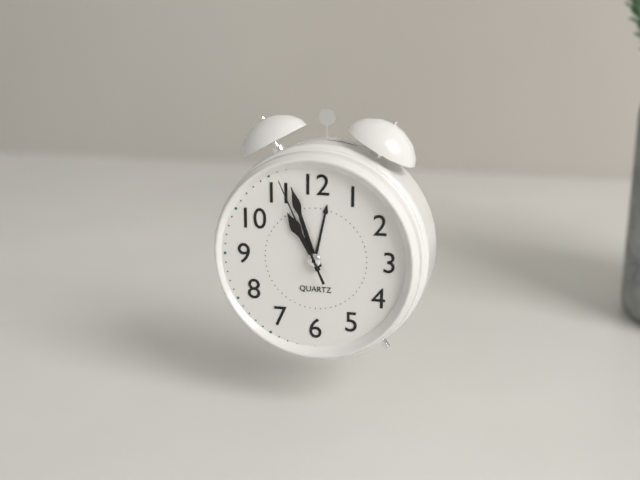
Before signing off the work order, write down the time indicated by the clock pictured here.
10:57:56
